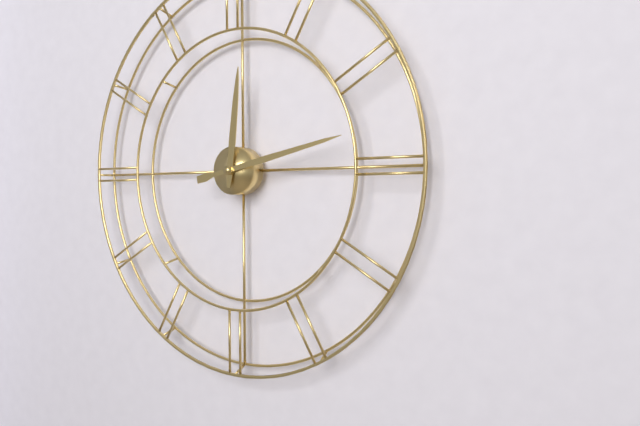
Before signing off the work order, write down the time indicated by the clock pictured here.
12:13
